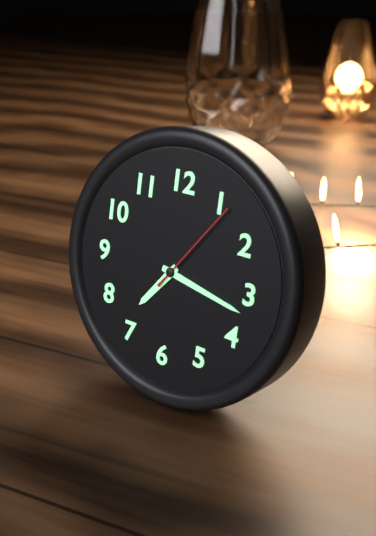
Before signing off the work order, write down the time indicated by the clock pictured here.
7:17:06
